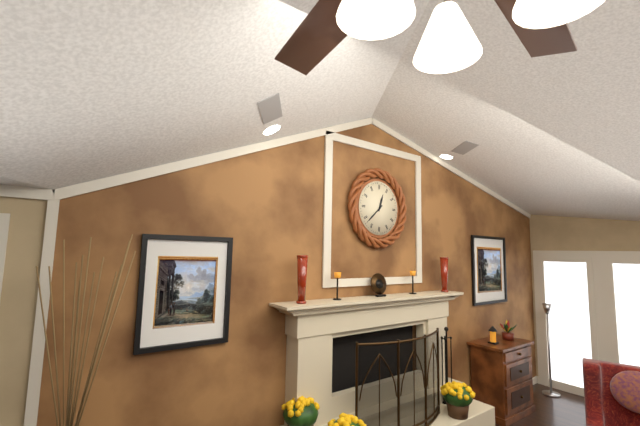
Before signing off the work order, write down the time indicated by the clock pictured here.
12:38
